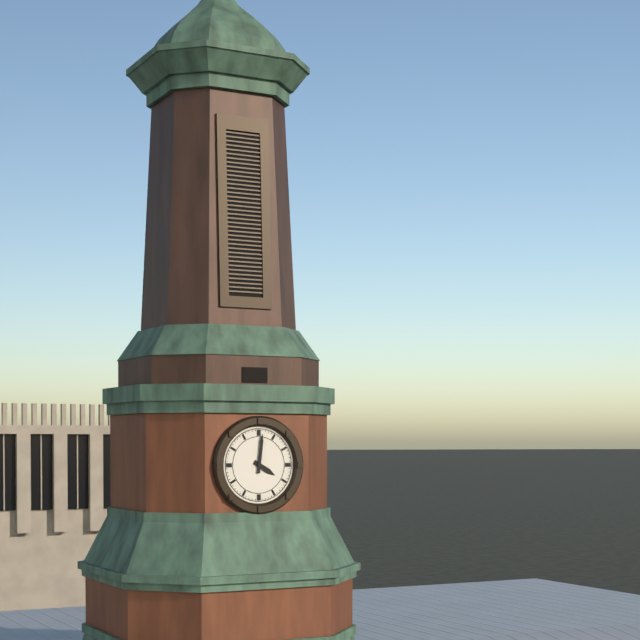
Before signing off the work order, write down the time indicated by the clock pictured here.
4:01
